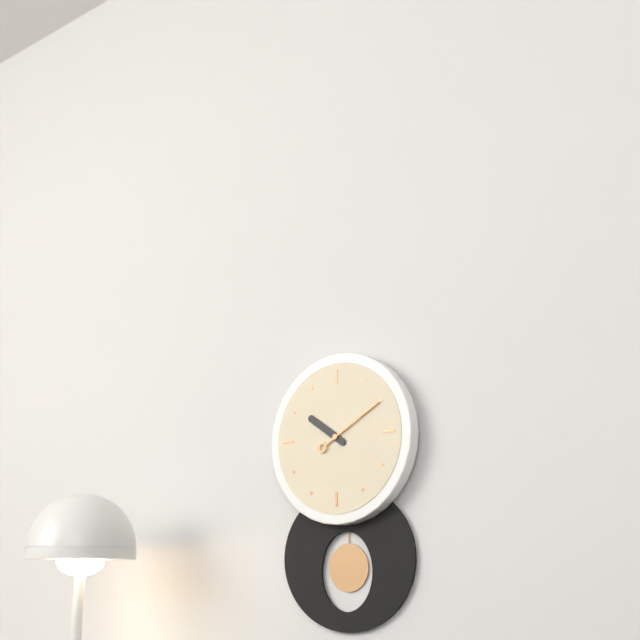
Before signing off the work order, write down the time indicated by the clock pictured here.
10:10
